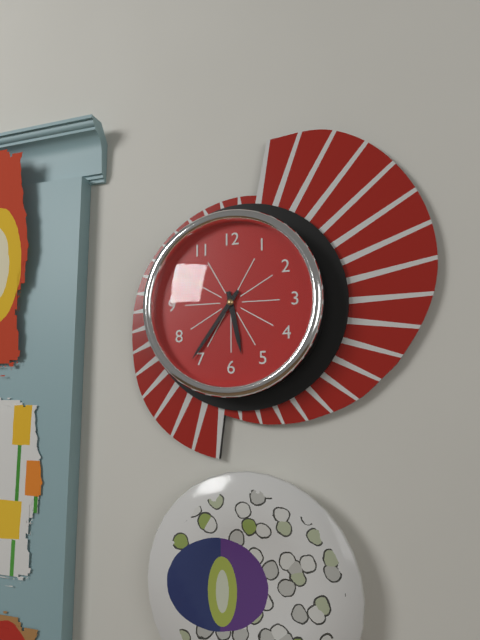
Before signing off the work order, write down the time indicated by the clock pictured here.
5:36
